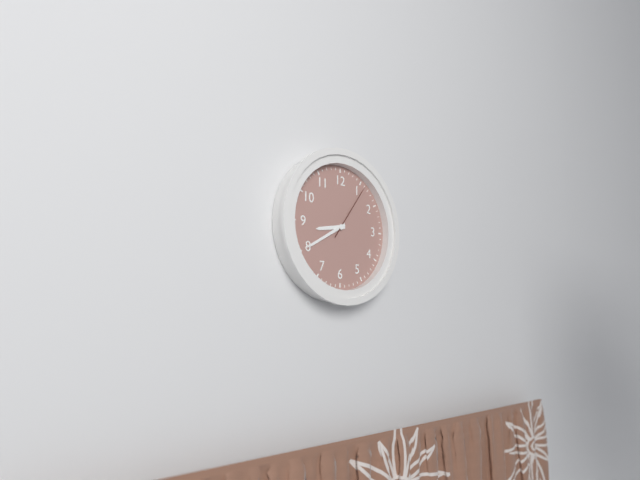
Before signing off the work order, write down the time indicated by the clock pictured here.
8:40:06
